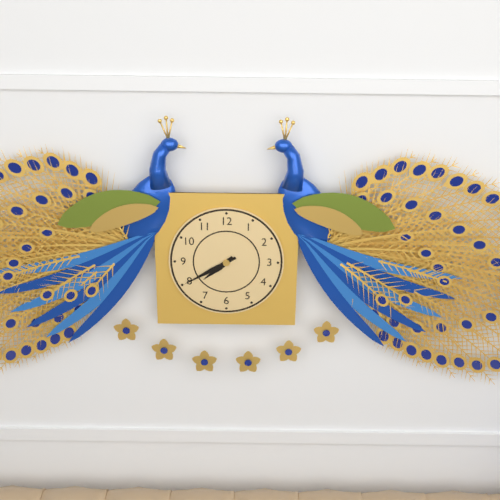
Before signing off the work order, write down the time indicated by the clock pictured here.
7:40
